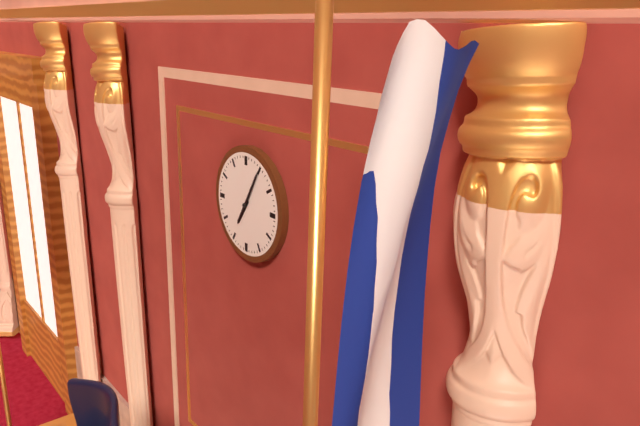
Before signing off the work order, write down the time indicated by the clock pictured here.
7:05
